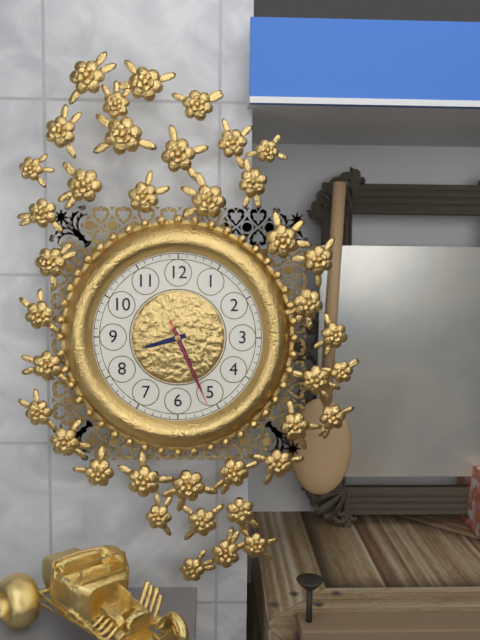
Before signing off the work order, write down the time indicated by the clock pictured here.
8:26:26
